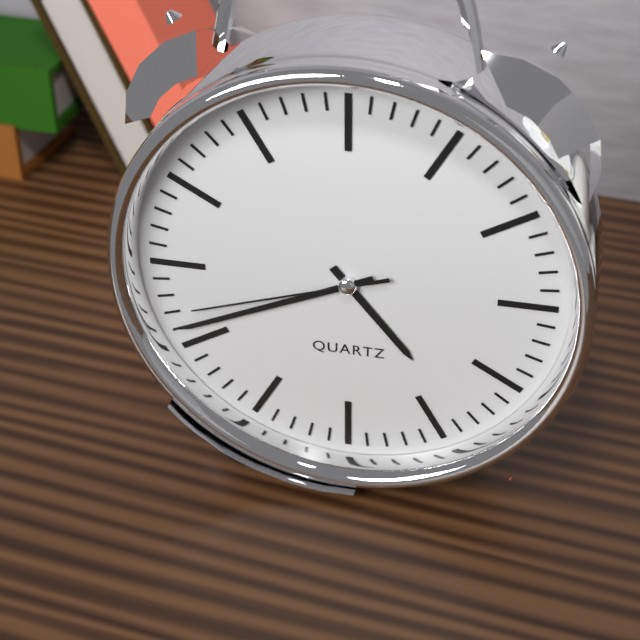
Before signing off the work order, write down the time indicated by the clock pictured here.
4:41:42
